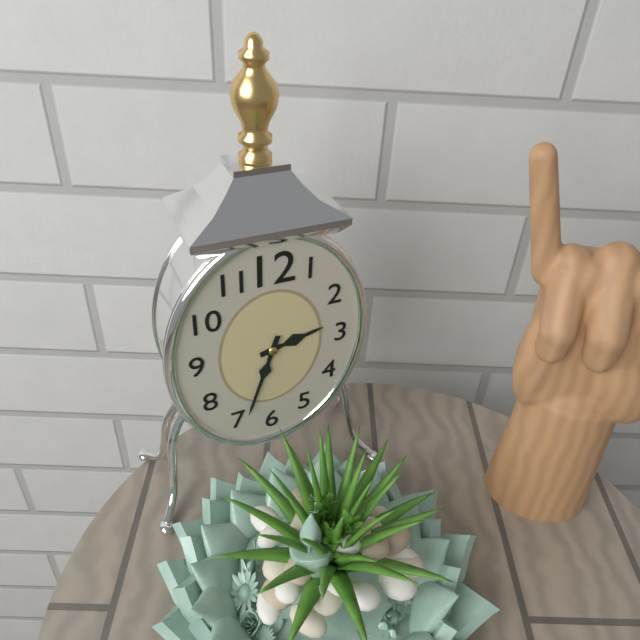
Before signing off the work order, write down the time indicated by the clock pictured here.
2:33
